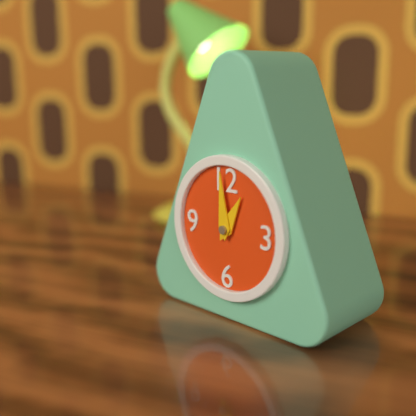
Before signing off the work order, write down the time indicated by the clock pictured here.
12:59
